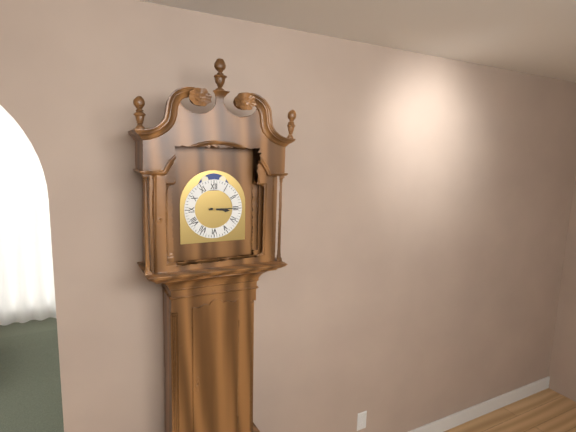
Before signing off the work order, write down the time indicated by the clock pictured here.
3:15
